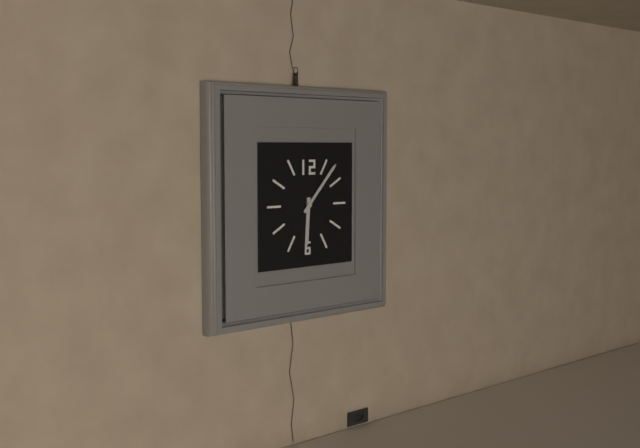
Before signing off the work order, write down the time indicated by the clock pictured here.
6:07
